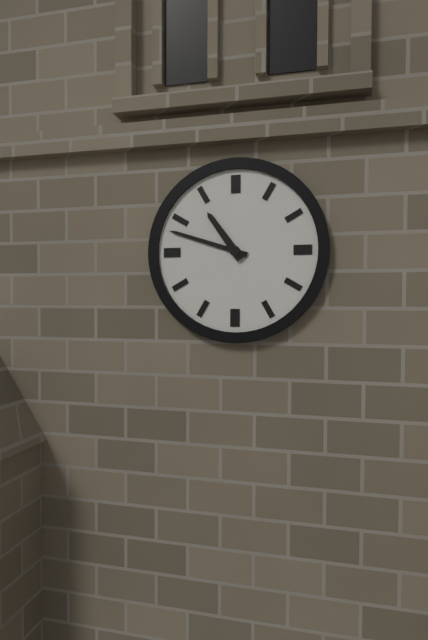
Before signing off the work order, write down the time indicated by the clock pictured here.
10:48
